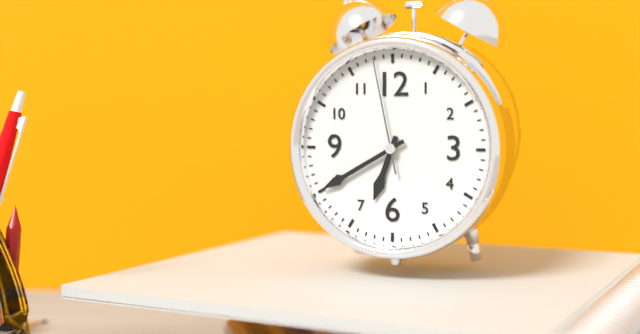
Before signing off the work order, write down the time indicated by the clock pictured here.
6:40:58
